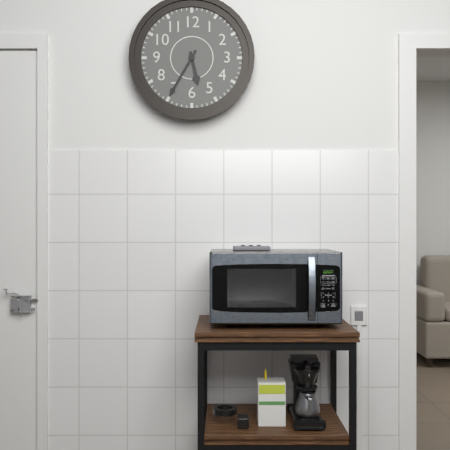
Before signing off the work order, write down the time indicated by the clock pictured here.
5:35
